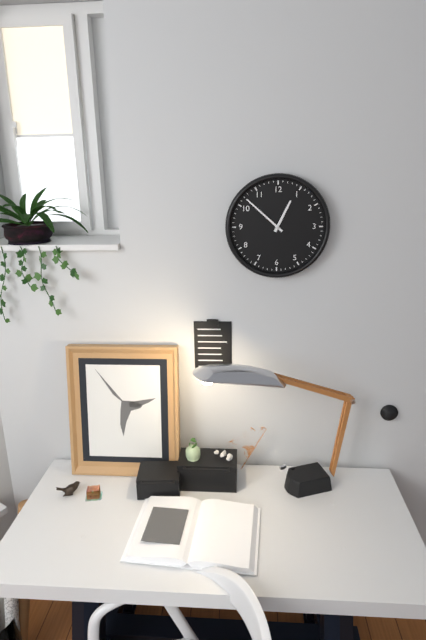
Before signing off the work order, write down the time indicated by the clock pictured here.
12:52
